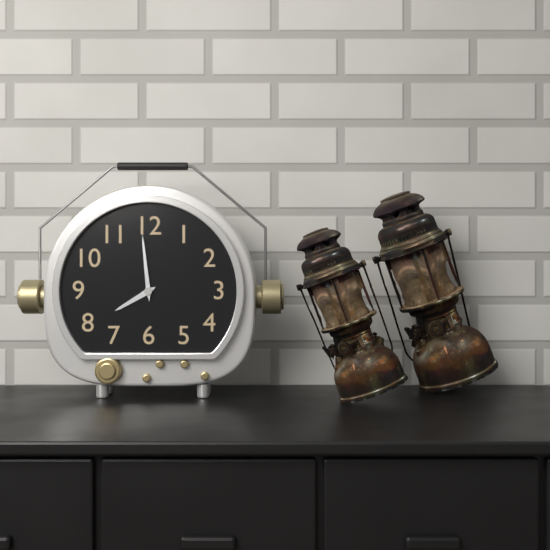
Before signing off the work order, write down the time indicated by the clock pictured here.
7:59
